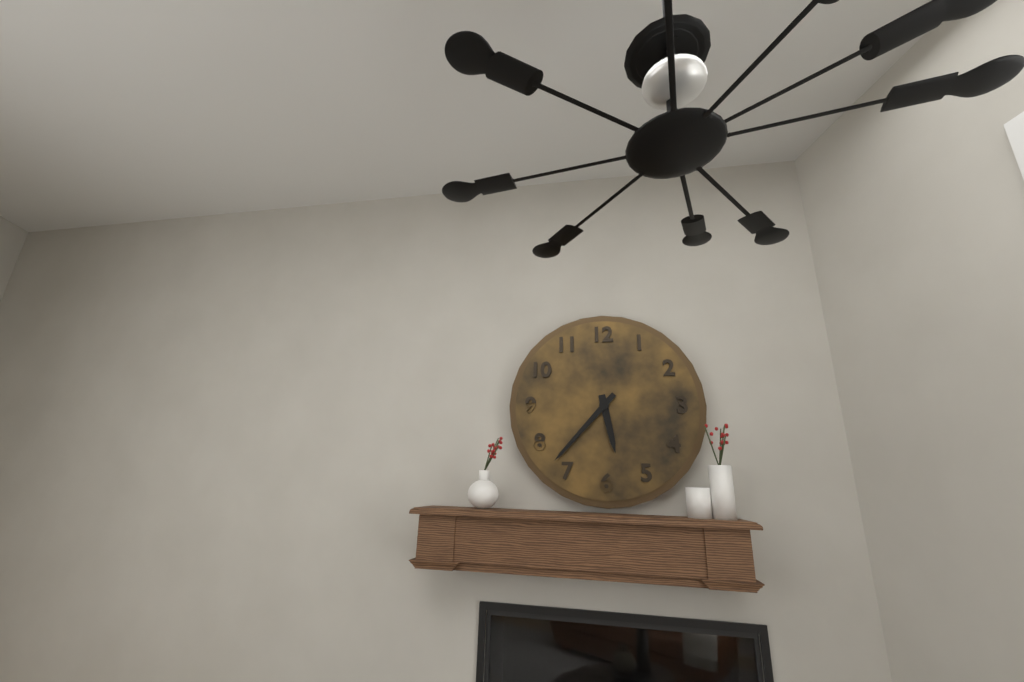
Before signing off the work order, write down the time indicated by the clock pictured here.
5:37
